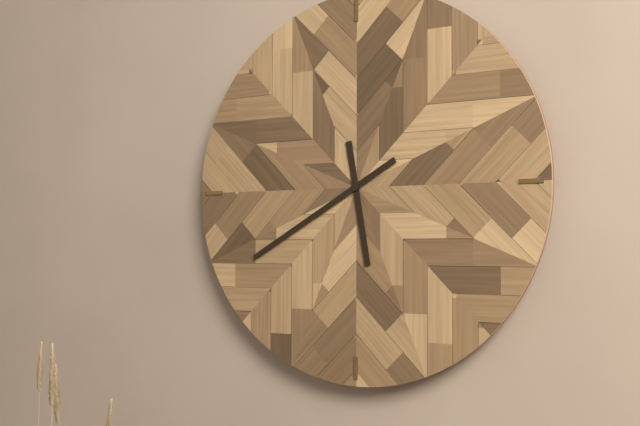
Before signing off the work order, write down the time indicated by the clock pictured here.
5:40
